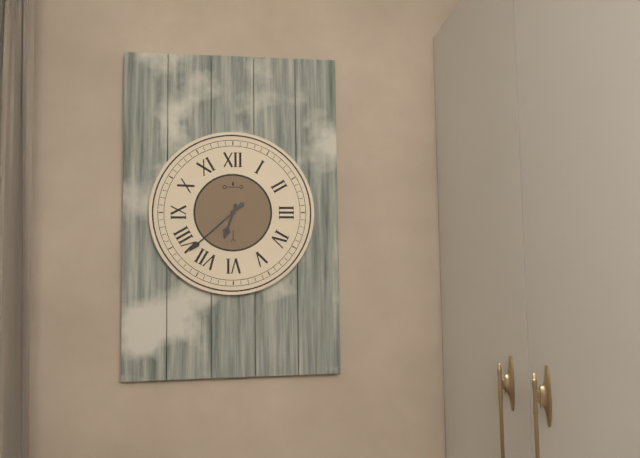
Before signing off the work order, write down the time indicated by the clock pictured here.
6:38
